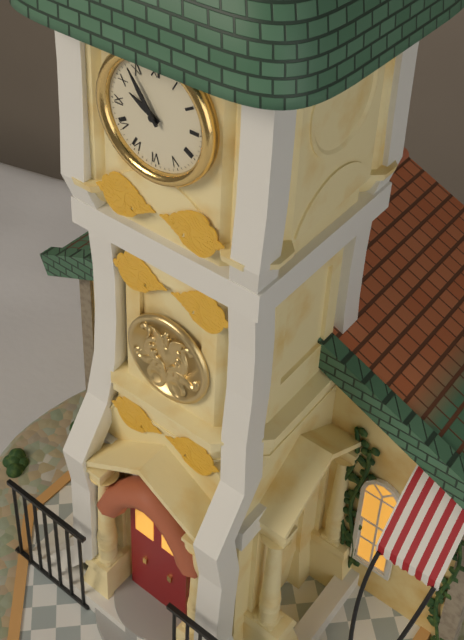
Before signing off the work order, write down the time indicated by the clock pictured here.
9:54
